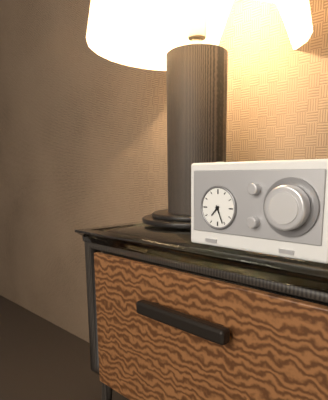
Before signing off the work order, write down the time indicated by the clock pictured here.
7:26
